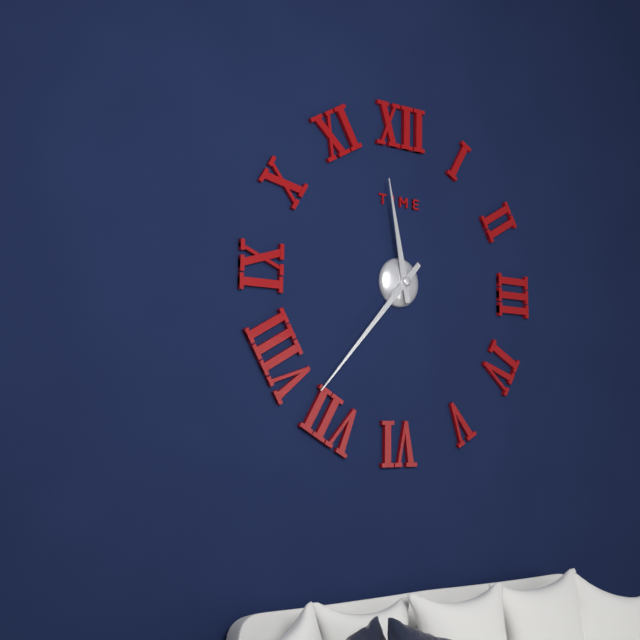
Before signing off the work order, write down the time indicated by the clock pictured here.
11:37
